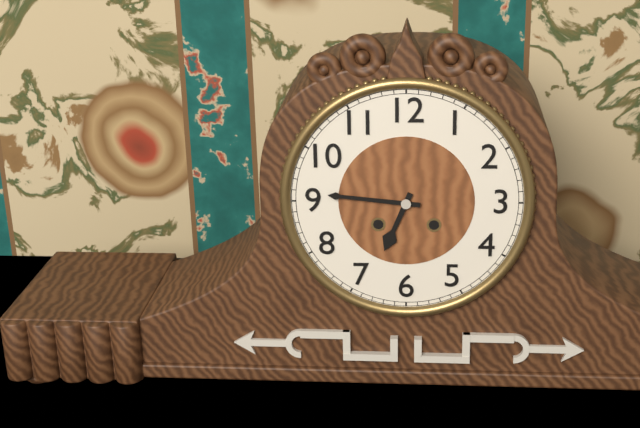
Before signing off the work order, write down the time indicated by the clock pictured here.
6:46
